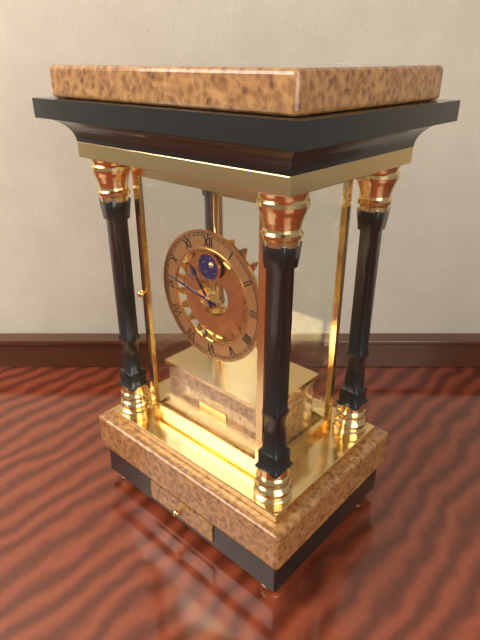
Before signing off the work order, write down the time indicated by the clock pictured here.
10:47
